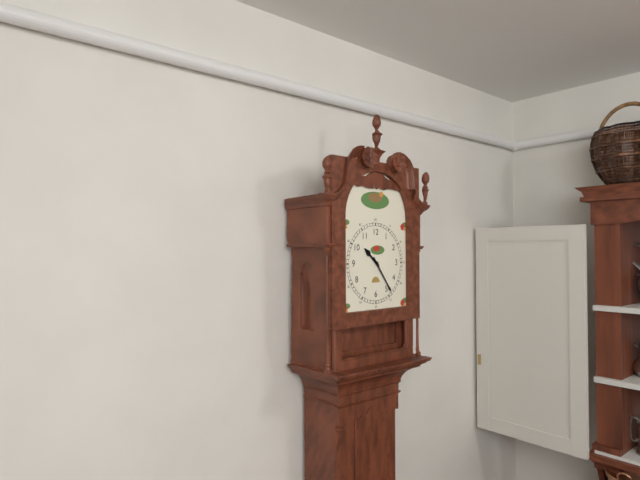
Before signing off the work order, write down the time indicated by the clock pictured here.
10:24
